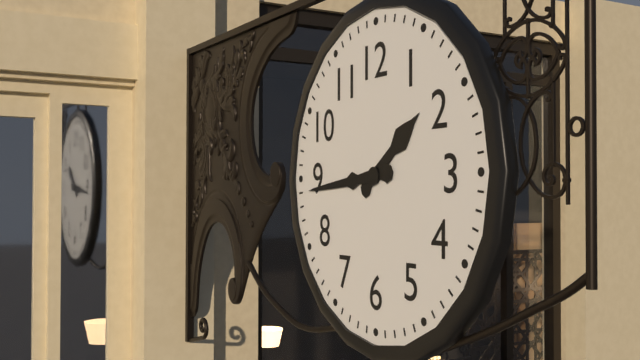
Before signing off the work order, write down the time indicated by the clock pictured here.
1:44
